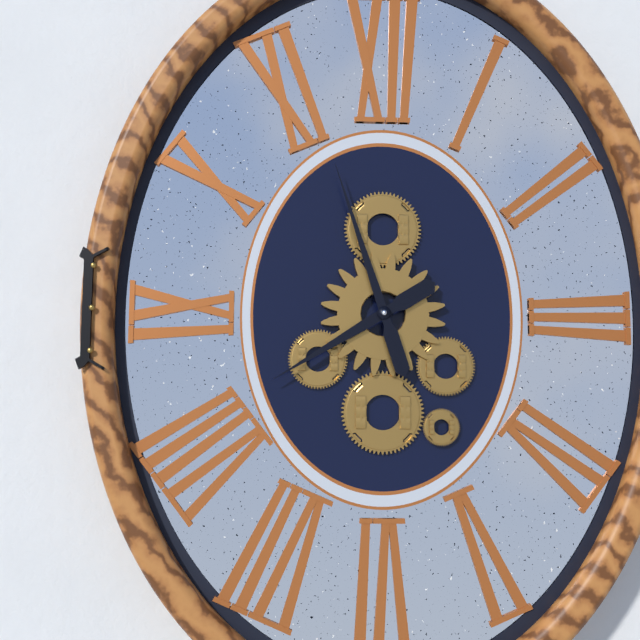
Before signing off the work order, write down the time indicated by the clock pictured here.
7:57
